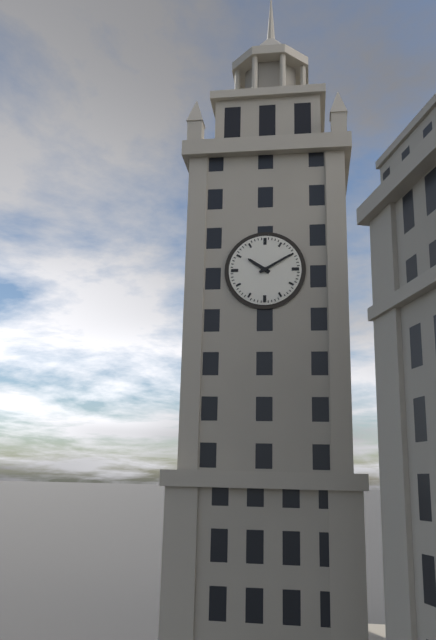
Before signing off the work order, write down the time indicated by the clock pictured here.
10:10
